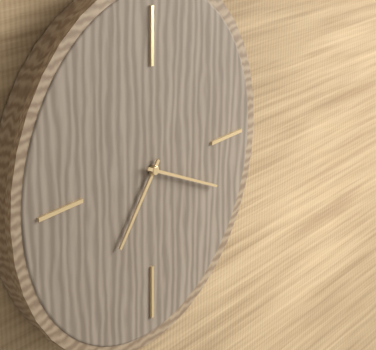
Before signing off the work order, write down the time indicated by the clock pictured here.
7:19
